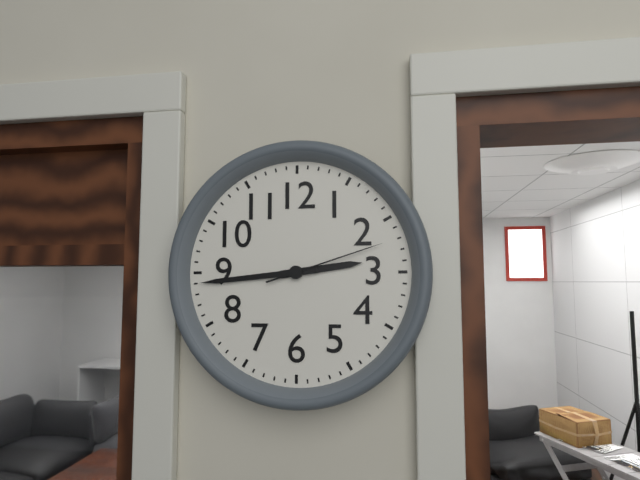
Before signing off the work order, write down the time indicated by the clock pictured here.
2:44:12
